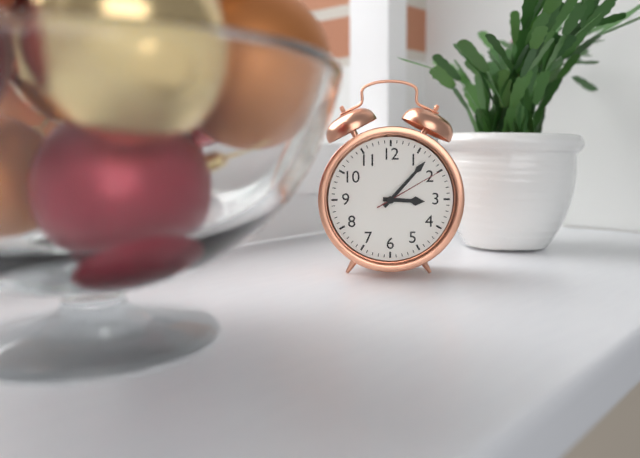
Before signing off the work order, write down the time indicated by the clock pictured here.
3:07:10
